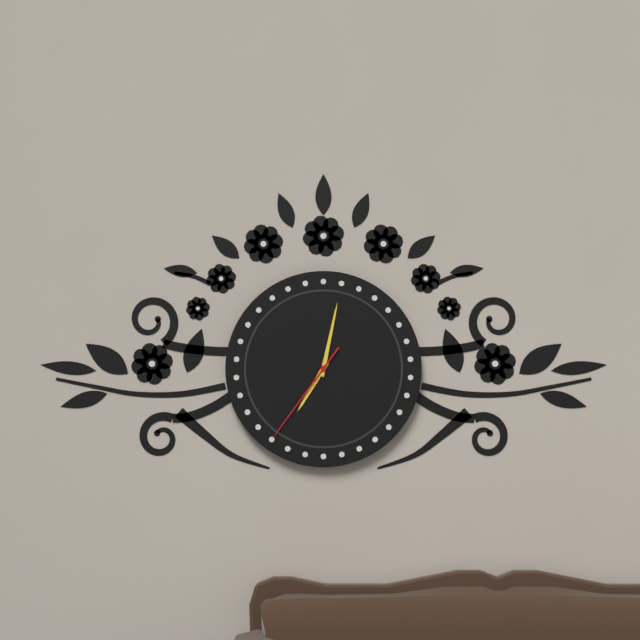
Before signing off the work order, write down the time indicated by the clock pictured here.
7:02:36
